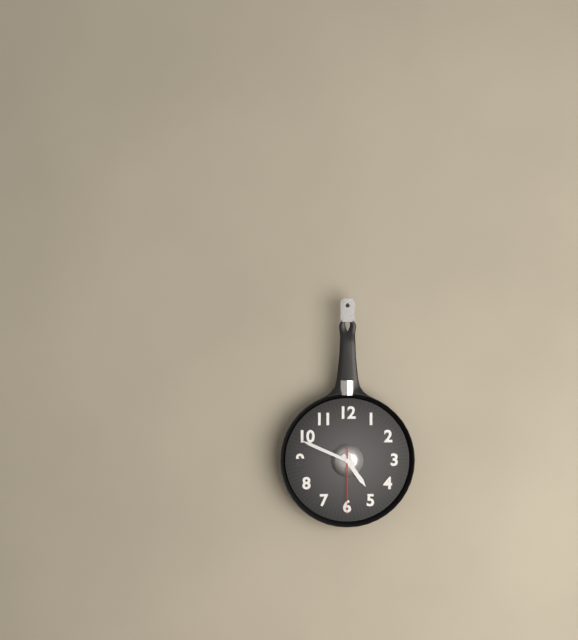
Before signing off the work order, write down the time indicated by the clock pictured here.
4:49:30
